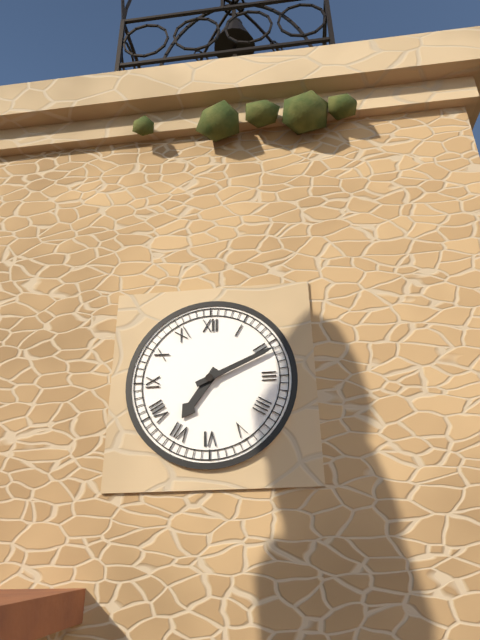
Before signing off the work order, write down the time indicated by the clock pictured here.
7:11
